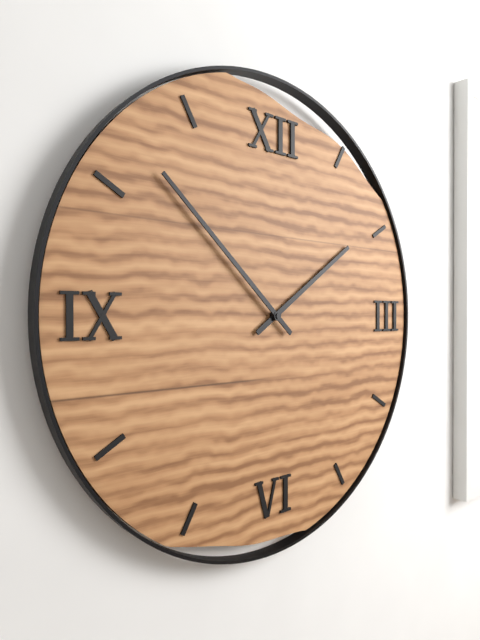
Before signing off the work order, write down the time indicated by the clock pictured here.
1:52
